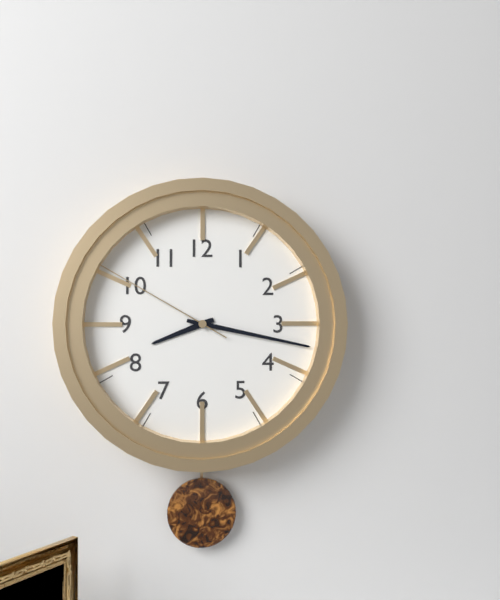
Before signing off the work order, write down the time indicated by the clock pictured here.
8:17:50
